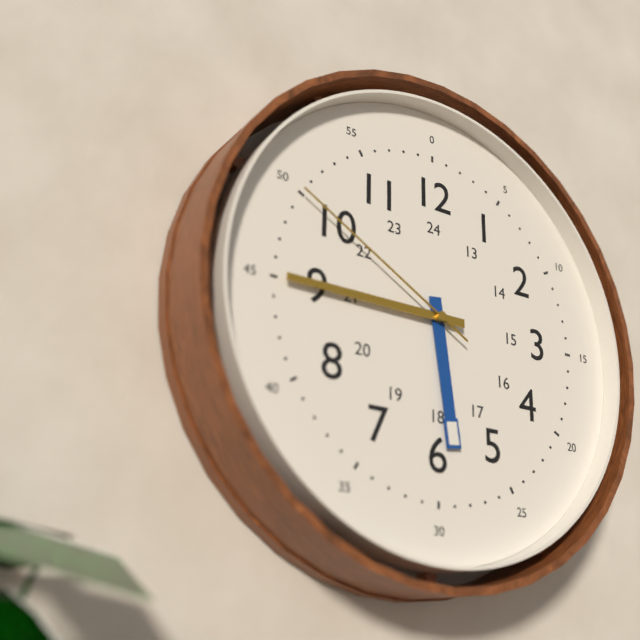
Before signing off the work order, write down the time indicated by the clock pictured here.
5:45:50
